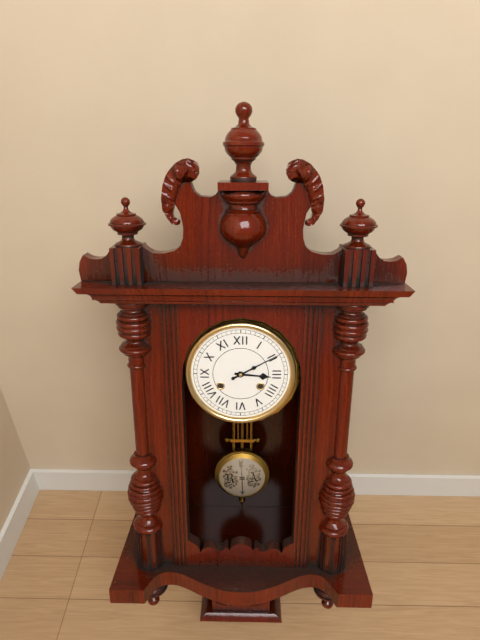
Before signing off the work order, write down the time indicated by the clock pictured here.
3:10
